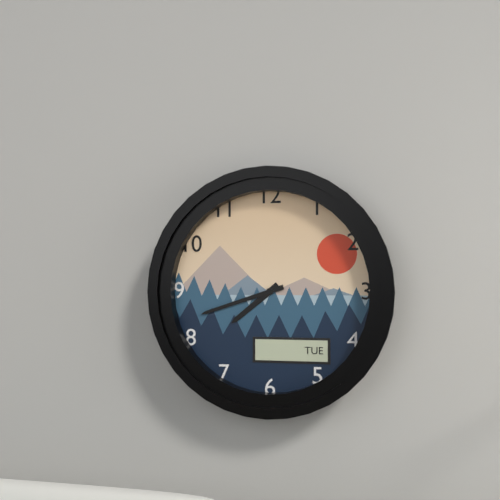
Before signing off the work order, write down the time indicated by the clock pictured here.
7:42
